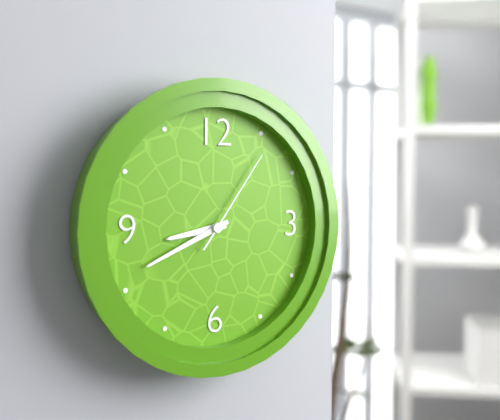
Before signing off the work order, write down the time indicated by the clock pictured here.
8:41:06
